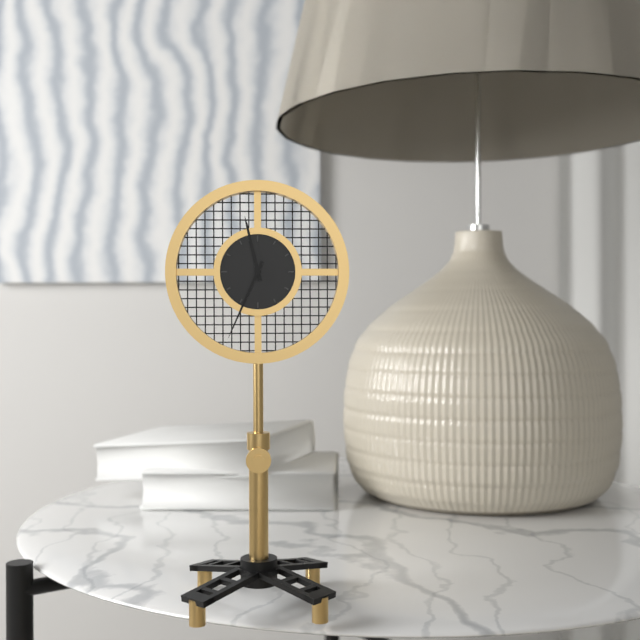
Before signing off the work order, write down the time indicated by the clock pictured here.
11:34
